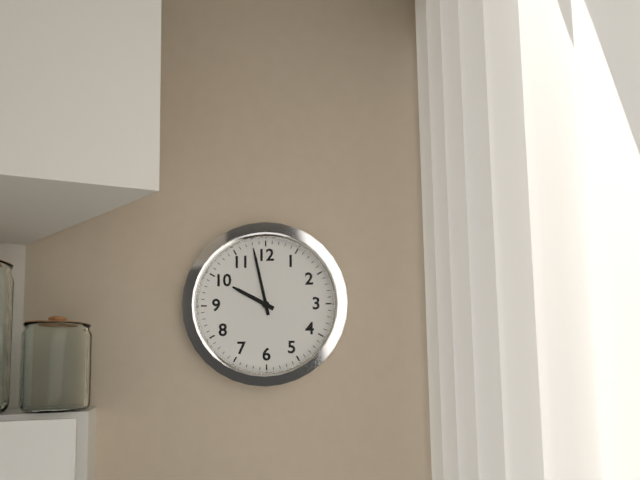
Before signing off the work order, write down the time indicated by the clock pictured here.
9:58
